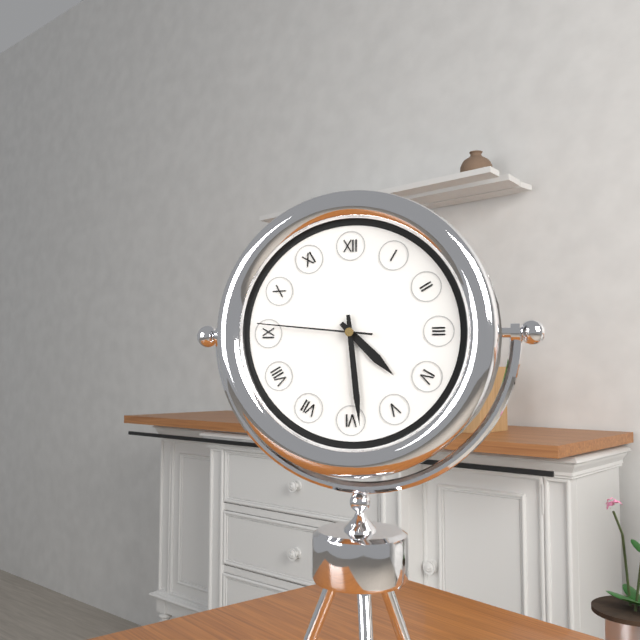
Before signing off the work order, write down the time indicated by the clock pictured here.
4:29:46
